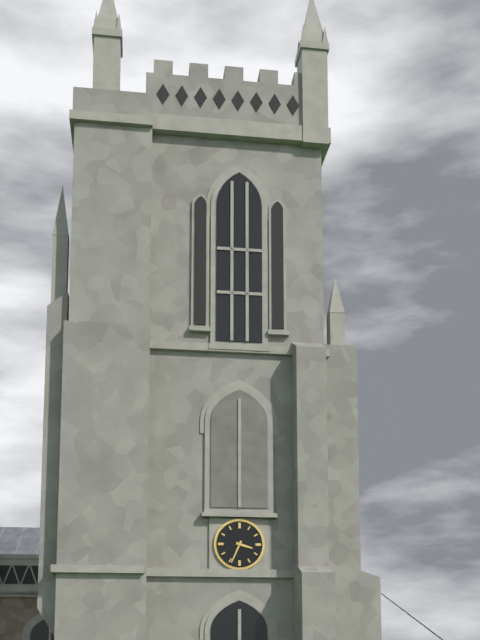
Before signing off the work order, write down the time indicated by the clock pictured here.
3:34
